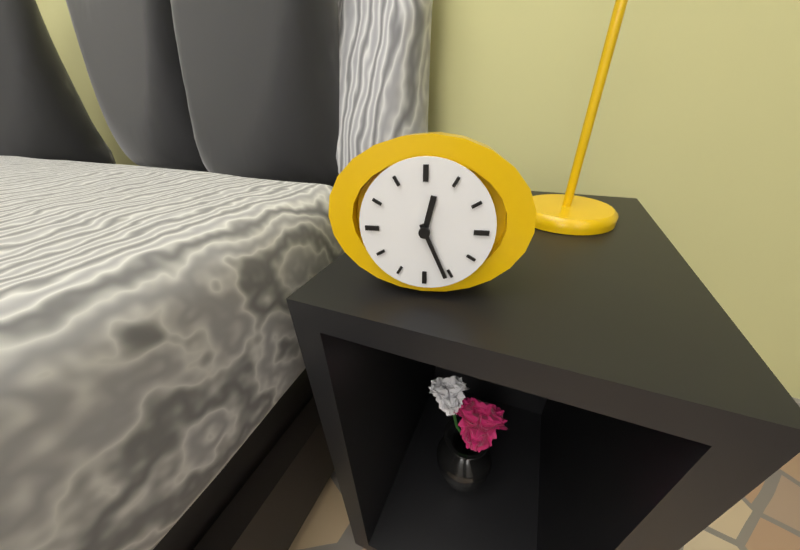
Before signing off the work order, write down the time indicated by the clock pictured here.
12:26
